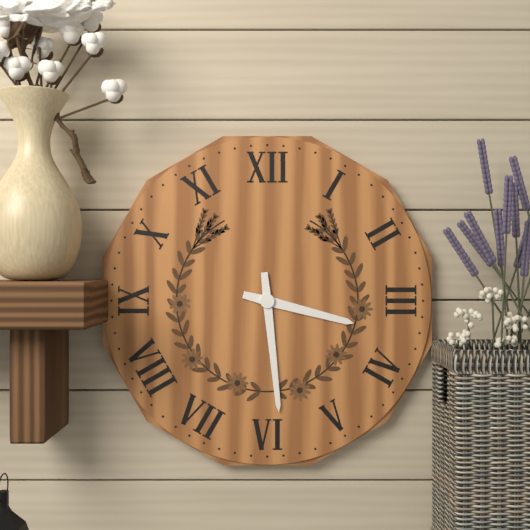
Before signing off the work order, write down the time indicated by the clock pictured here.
3:29
